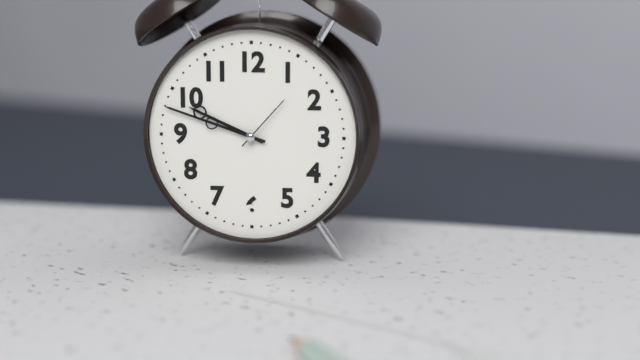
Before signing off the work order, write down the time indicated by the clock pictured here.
9:48:07
